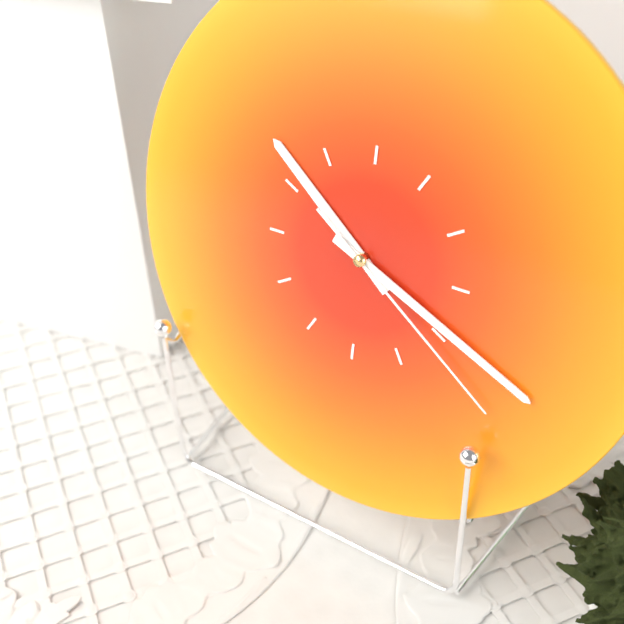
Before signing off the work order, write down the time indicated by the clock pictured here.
10:19:21
